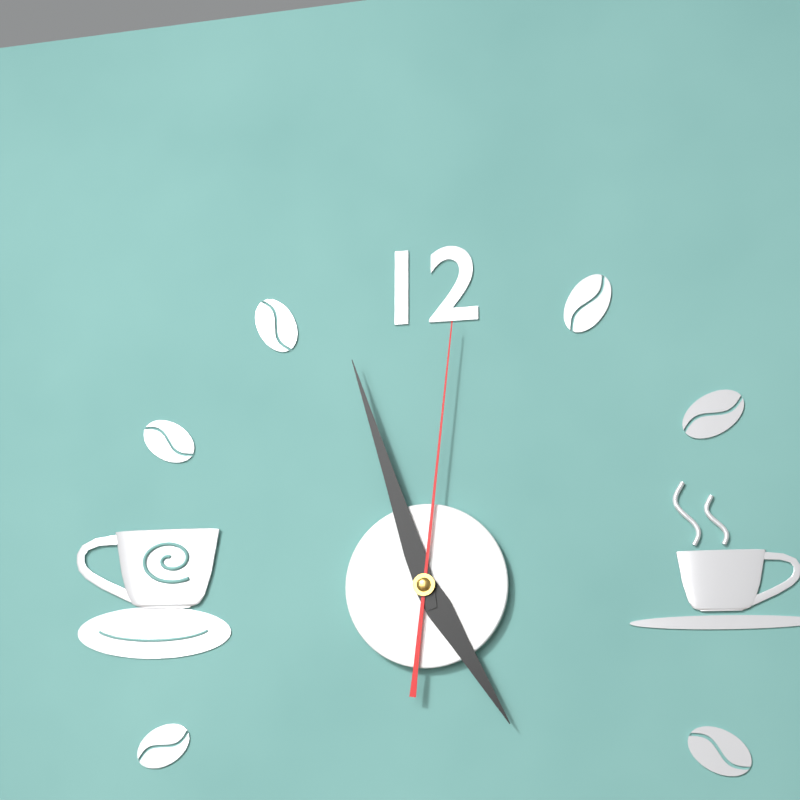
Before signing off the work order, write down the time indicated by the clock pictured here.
4:57:01
